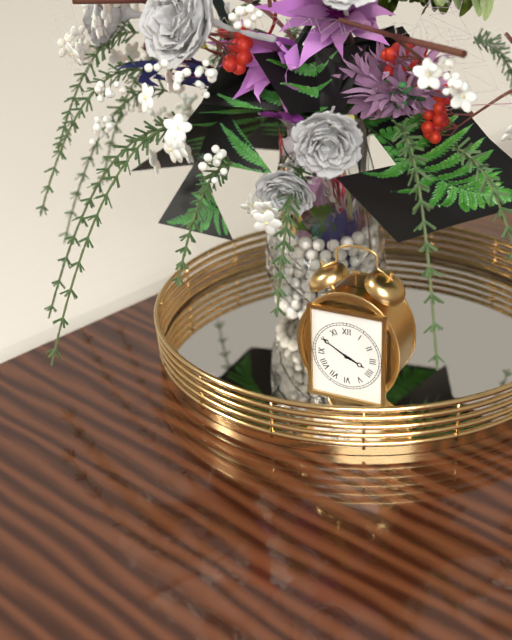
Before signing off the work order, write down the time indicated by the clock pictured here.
3:50
